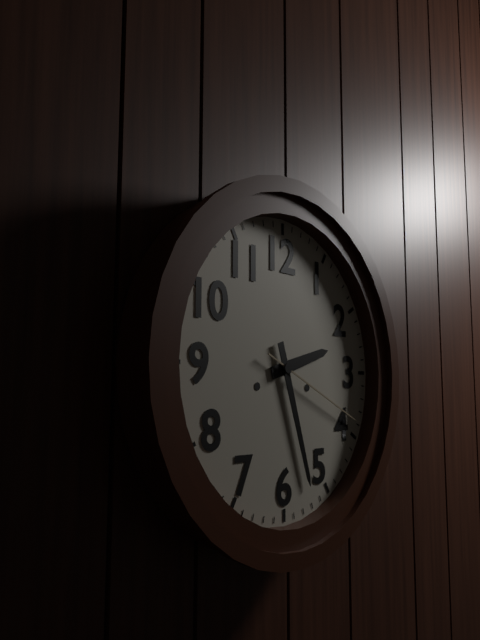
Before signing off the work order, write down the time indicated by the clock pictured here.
2:27:19
